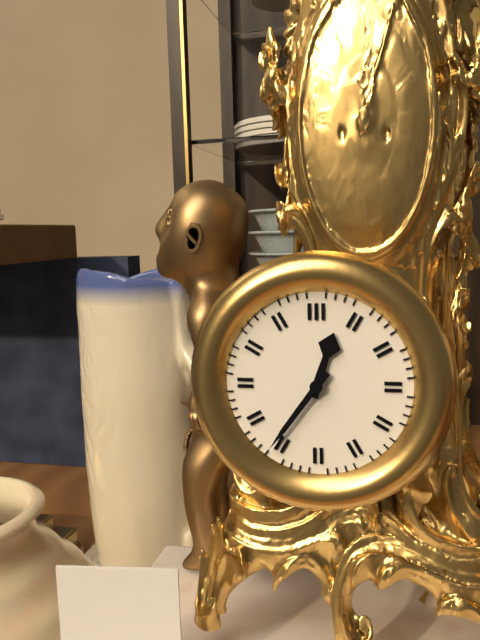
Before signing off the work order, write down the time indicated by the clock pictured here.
12:36
